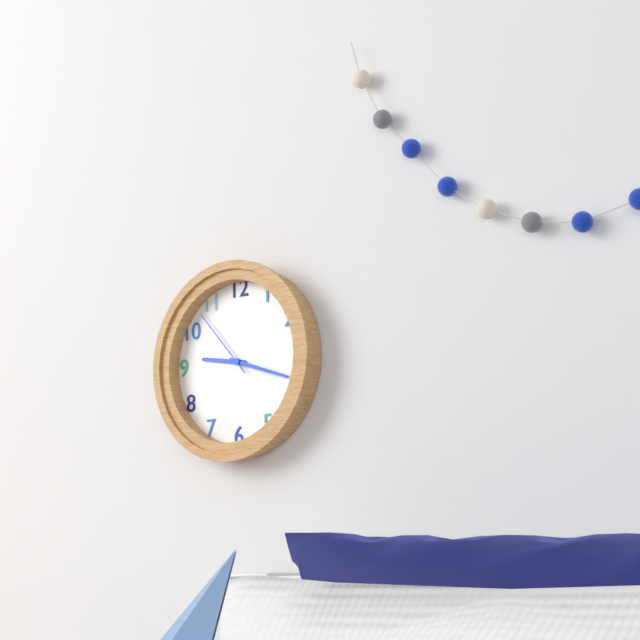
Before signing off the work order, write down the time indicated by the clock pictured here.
9:18:53
